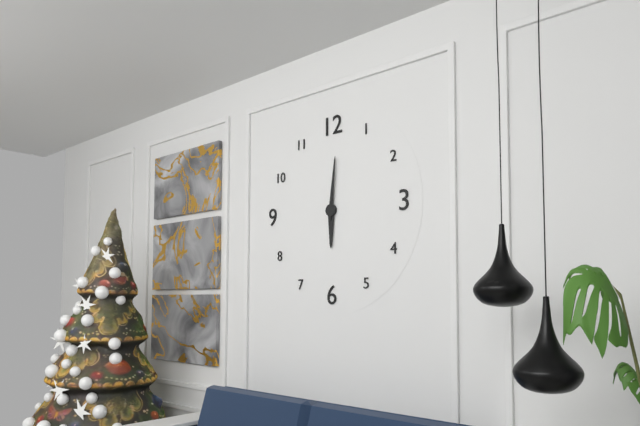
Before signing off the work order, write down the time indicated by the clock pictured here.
6:01
